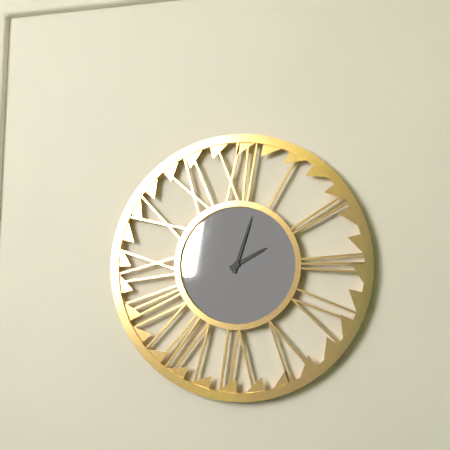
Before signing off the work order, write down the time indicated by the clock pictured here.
2:03
